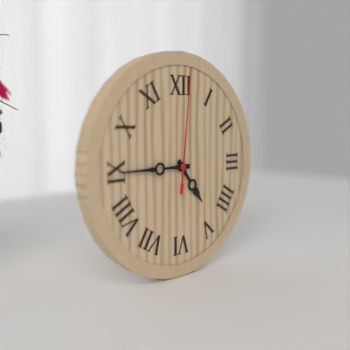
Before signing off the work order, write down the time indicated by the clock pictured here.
4:45:01
